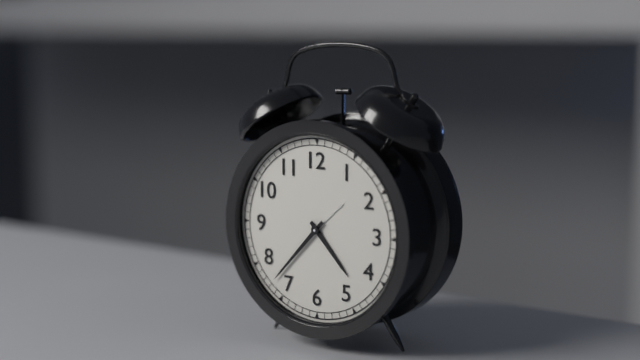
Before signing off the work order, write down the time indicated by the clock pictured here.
4:37
